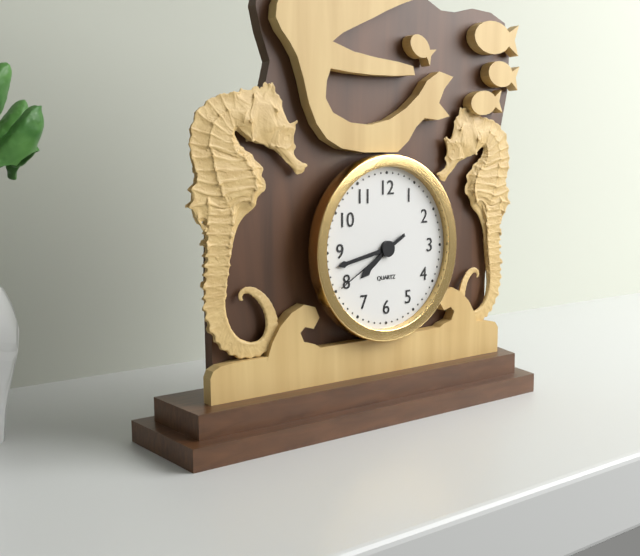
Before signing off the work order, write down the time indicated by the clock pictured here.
7:43:40
